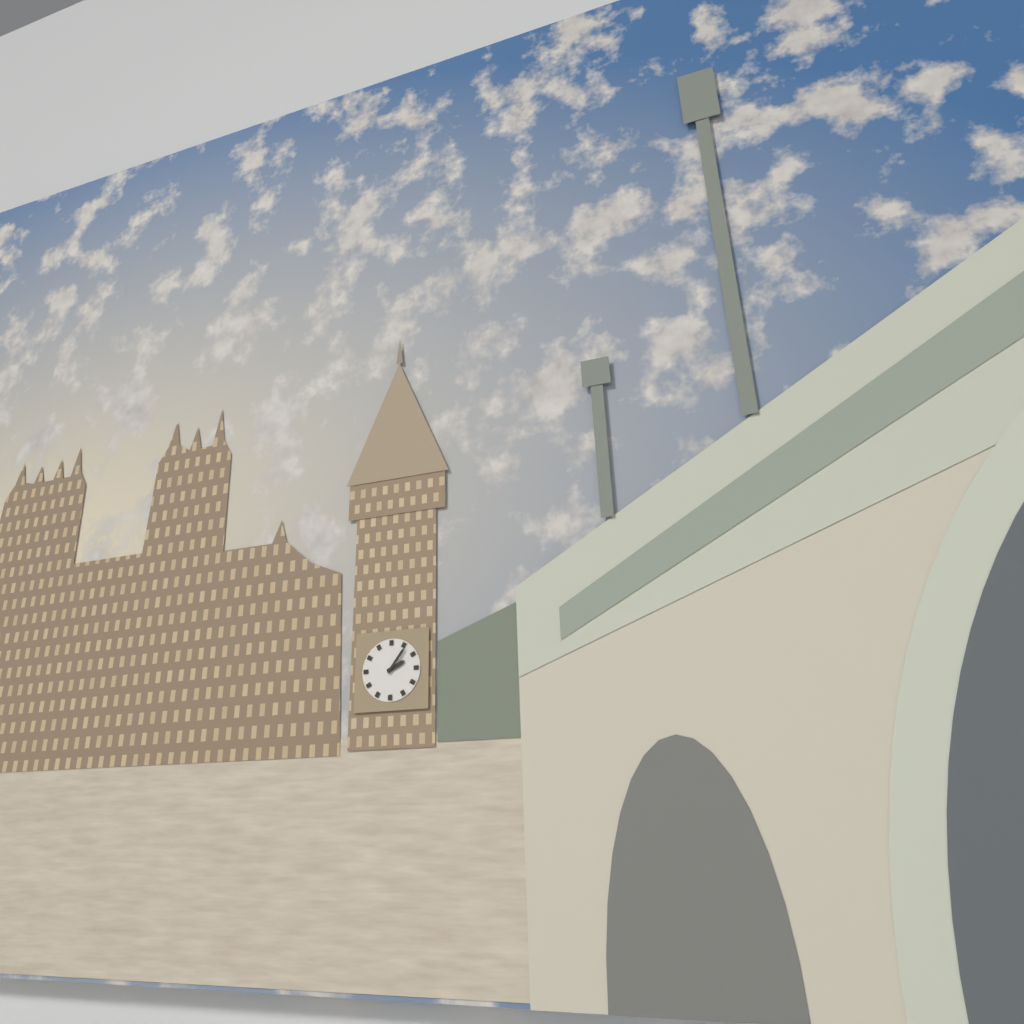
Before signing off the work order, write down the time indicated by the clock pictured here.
2:06
